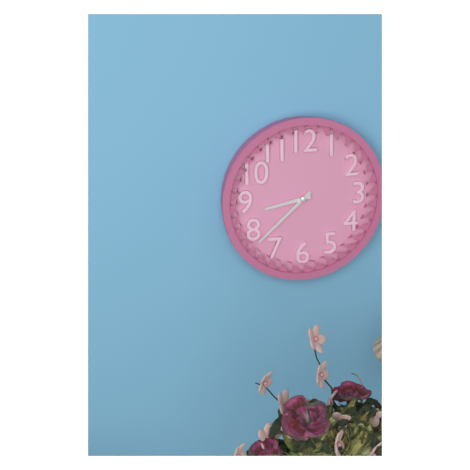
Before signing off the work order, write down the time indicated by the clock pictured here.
8:38
